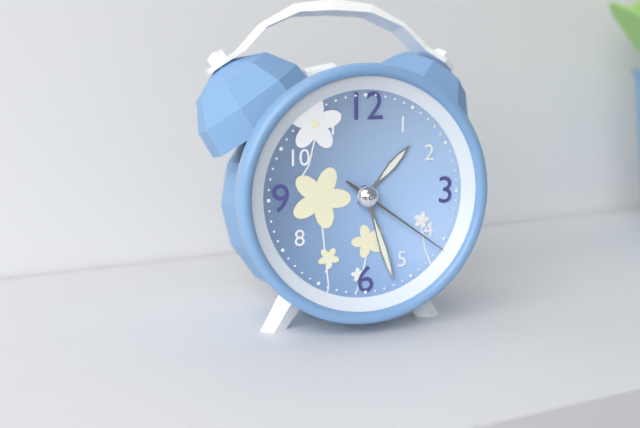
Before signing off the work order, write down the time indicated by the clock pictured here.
1:27:21
